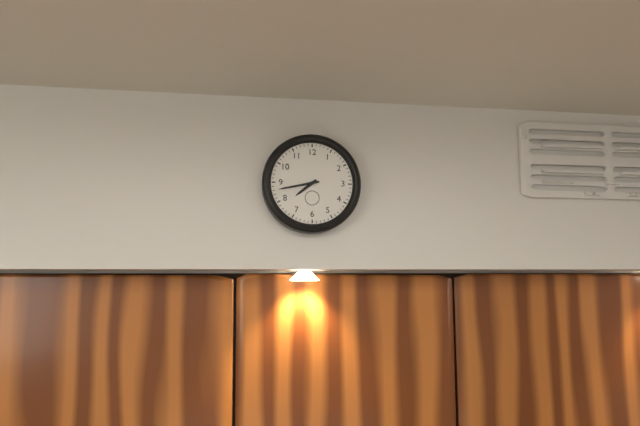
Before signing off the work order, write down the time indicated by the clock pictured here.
7:43
